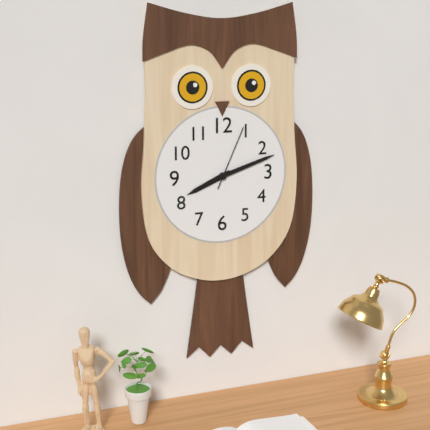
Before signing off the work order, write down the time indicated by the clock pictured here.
8:12:04
